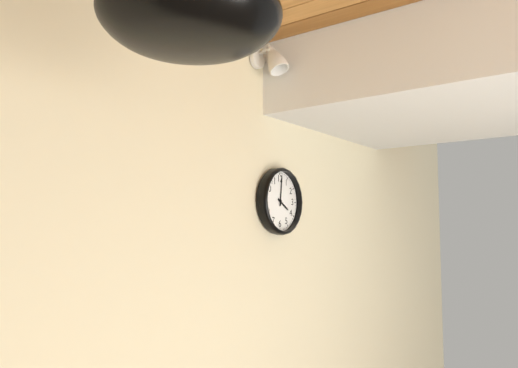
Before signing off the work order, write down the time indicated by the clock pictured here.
4:01
